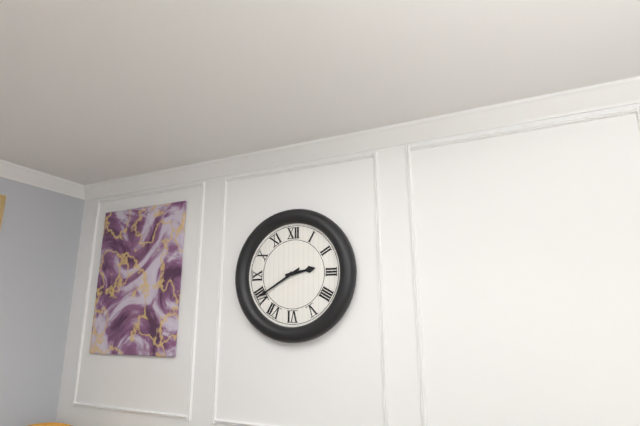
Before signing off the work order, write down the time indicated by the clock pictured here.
2:40
